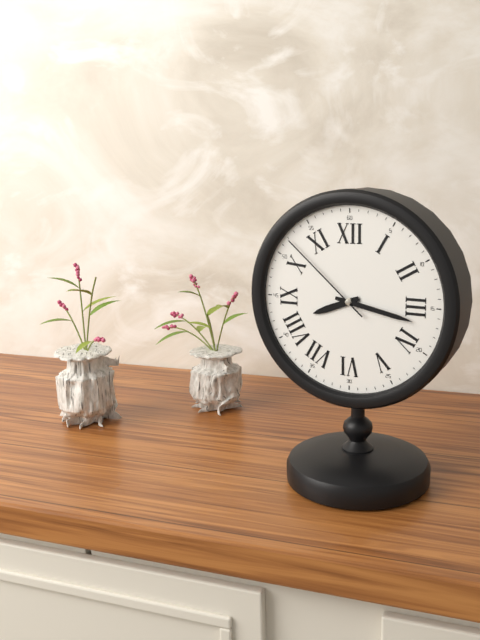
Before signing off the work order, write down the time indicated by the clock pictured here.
8:17:52
